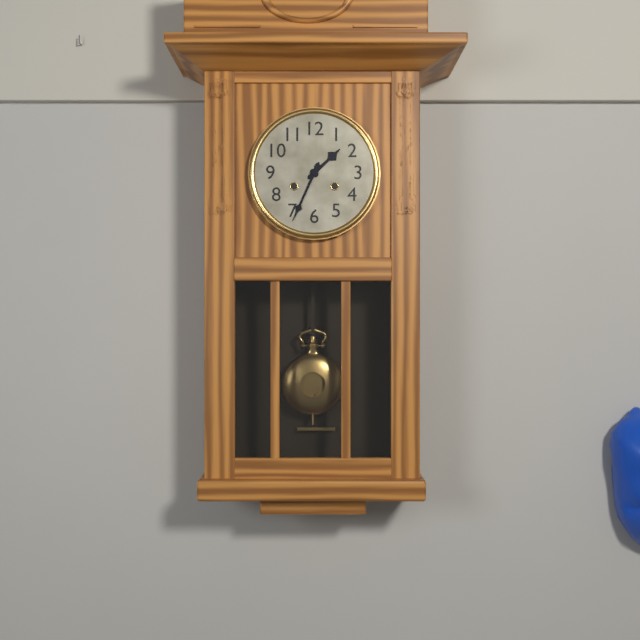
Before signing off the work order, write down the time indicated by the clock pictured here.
1:34
